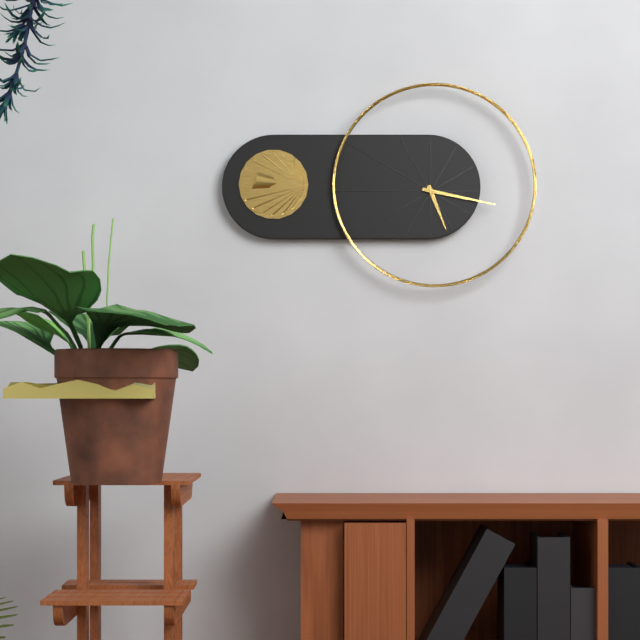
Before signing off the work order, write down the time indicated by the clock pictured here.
5:17
